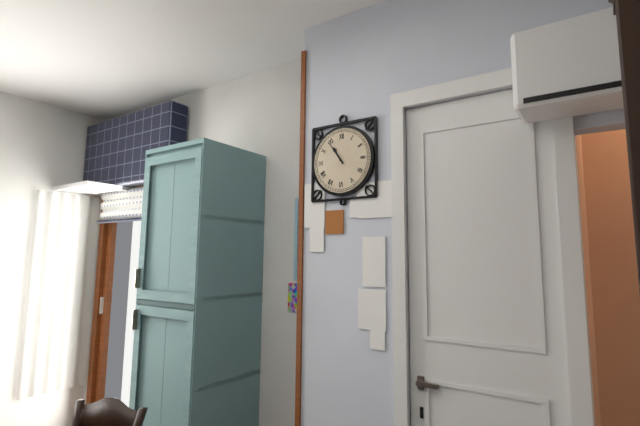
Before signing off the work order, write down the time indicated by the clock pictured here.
10:54
